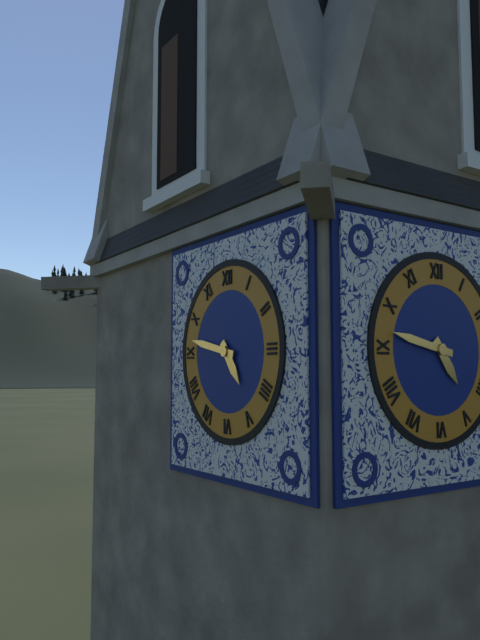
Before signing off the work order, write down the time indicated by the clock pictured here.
4:47
